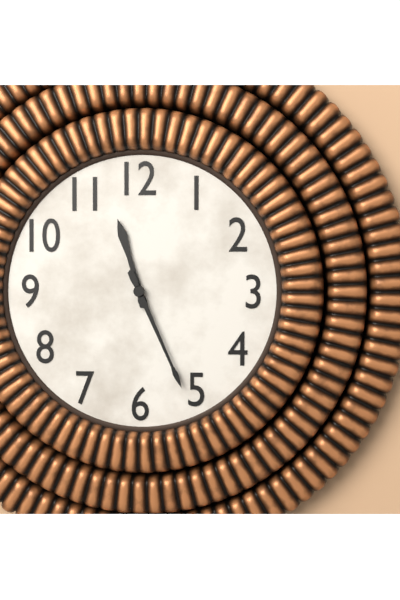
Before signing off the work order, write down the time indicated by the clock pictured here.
11:26
